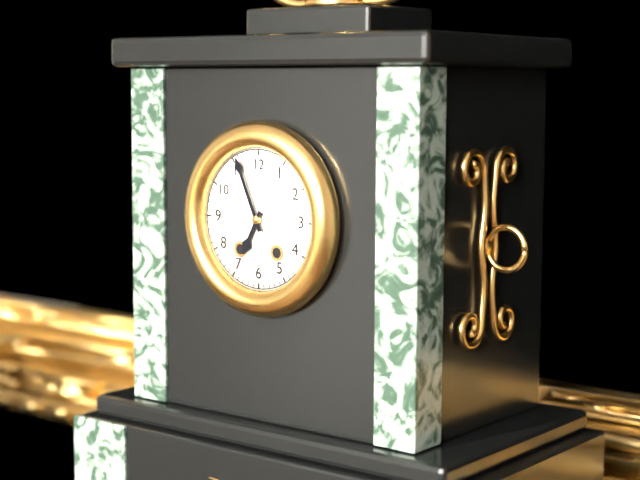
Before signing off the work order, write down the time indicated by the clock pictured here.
6:56
